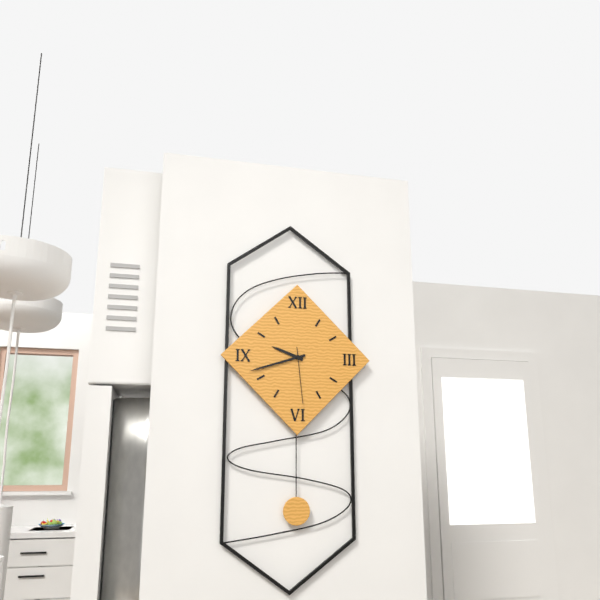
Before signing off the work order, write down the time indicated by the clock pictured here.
9:42:29
